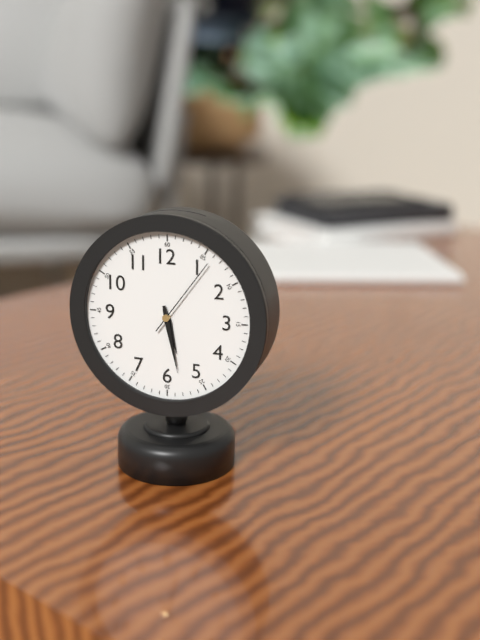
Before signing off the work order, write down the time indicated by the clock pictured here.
5:28:06
